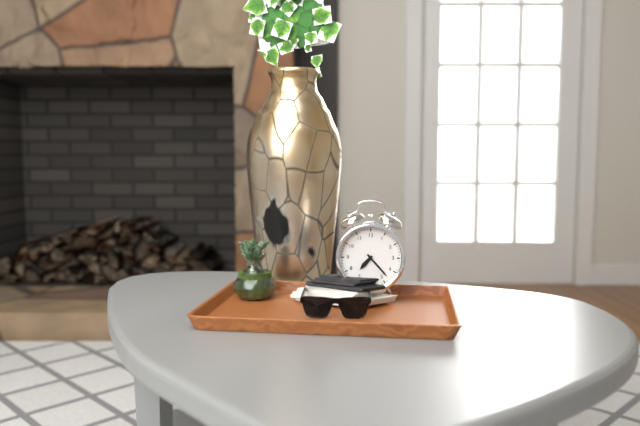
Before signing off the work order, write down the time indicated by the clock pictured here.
7:23
